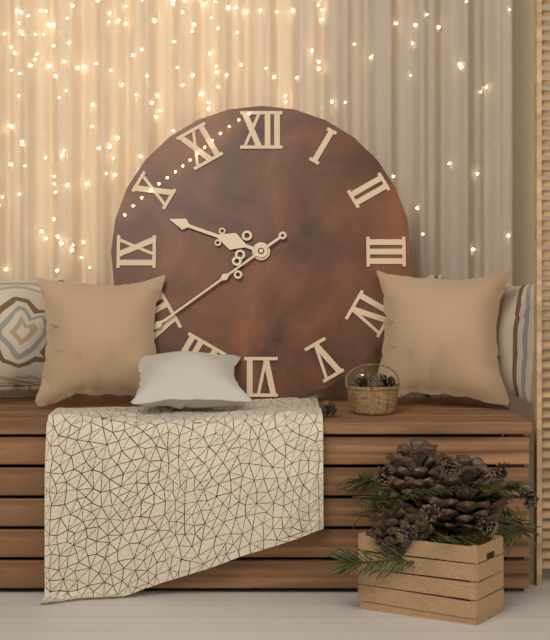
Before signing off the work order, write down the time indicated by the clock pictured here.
9:39
